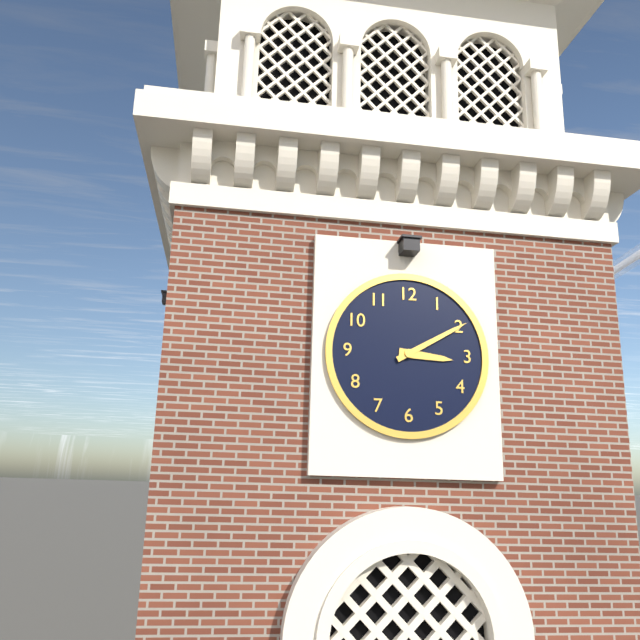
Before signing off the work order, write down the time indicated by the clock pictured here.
3:10
